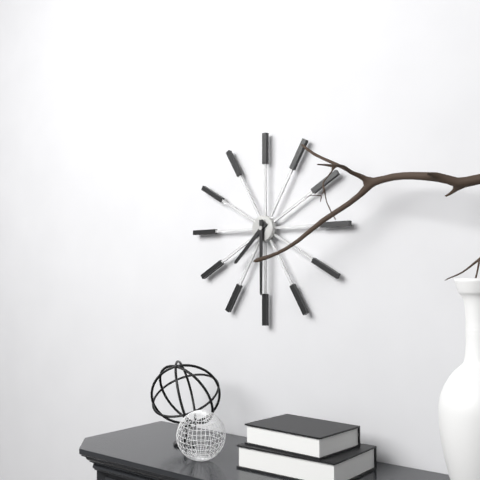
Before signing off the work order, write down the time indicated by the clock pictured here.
7:30
